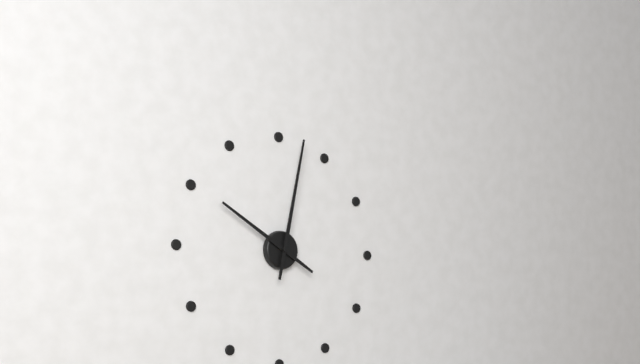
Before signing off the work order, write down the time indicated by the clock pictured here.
10:02
